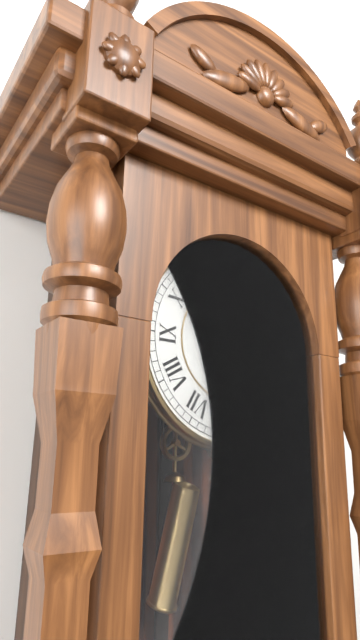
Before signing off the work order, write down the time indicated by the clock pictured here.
7:57
